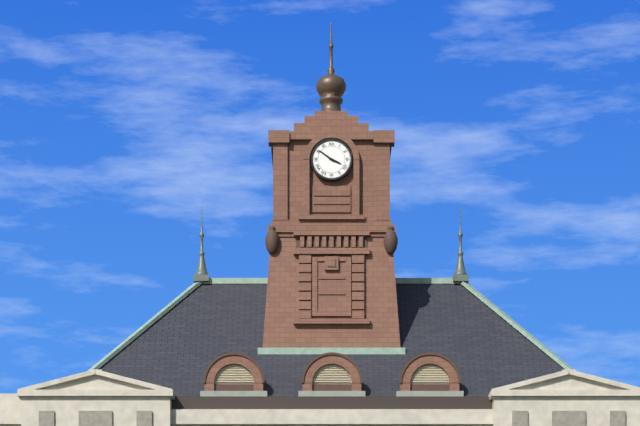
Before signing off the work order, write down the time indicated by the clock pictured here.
3:51
